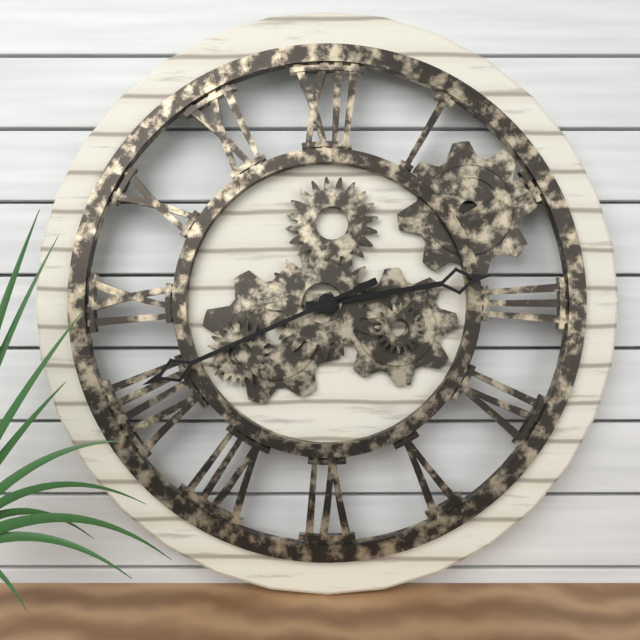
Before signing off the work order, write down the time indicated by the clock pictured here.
2:41
